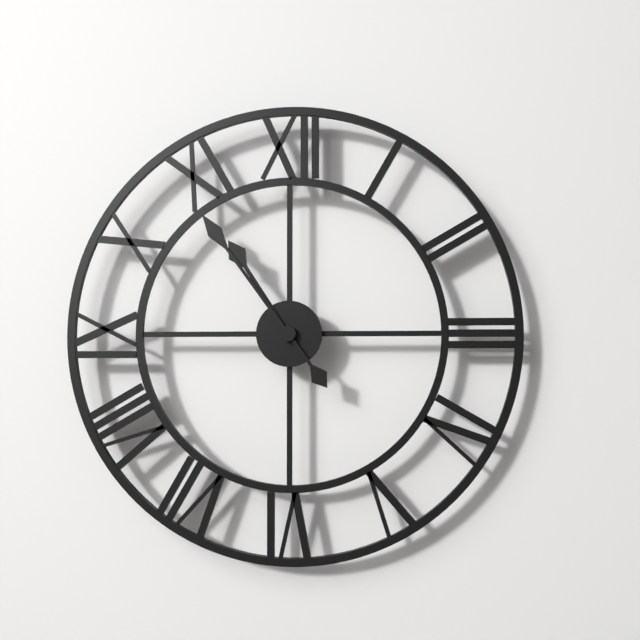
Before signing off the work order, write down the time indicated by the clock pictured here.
10:54
